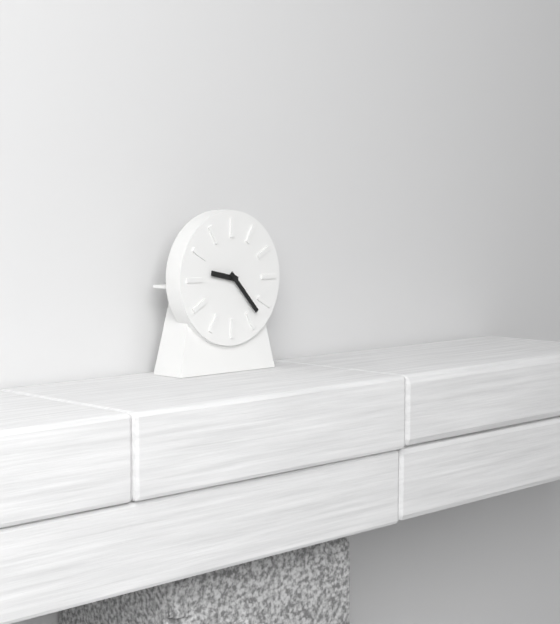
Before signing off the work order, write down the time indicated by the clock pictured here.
9:23
